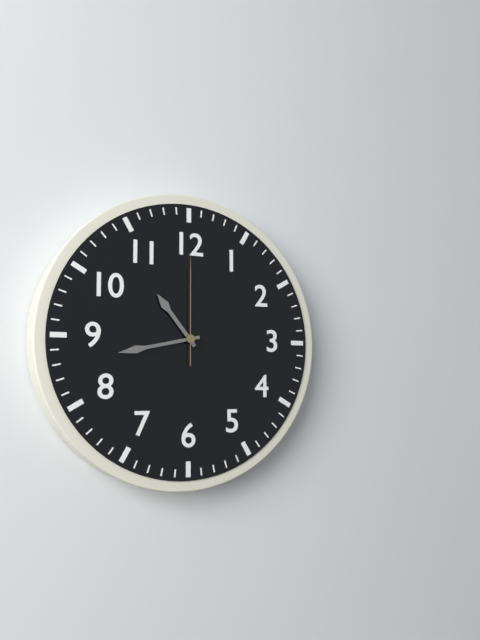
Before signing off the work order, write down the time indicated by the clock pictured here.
10:43:00
